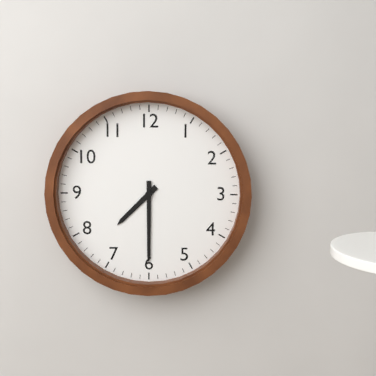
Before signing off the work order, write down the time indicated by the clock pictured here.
7:30
